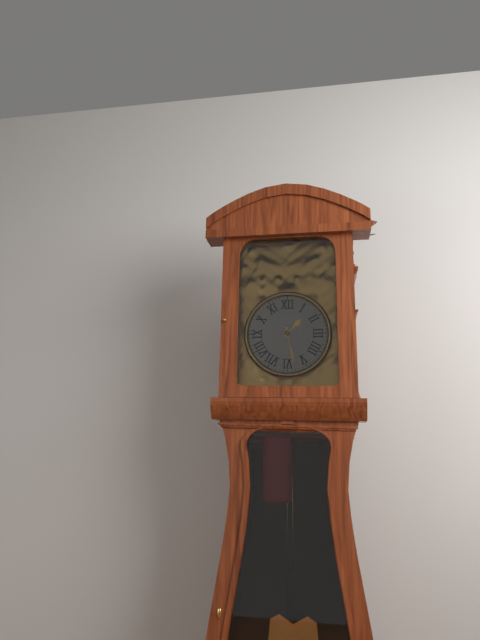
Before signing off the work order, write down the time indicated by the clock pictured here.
1:28
